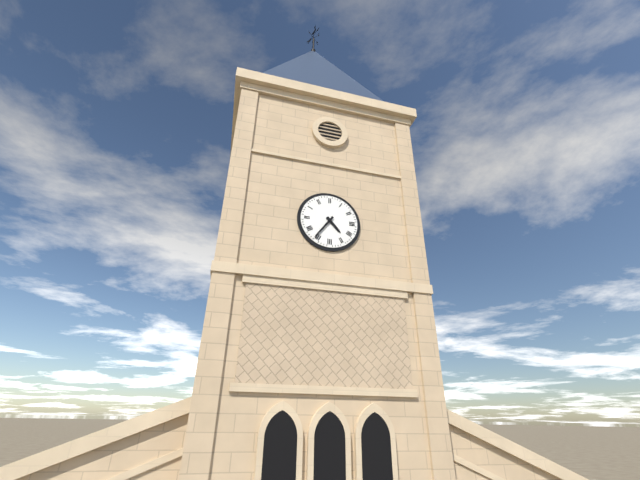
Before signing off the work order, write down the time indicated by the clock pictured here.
4:36
